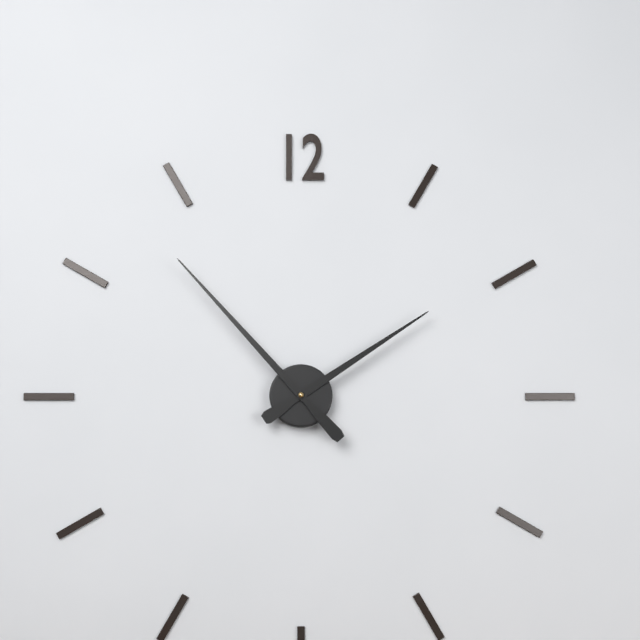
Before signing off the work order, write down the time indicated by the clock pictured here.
1:53
